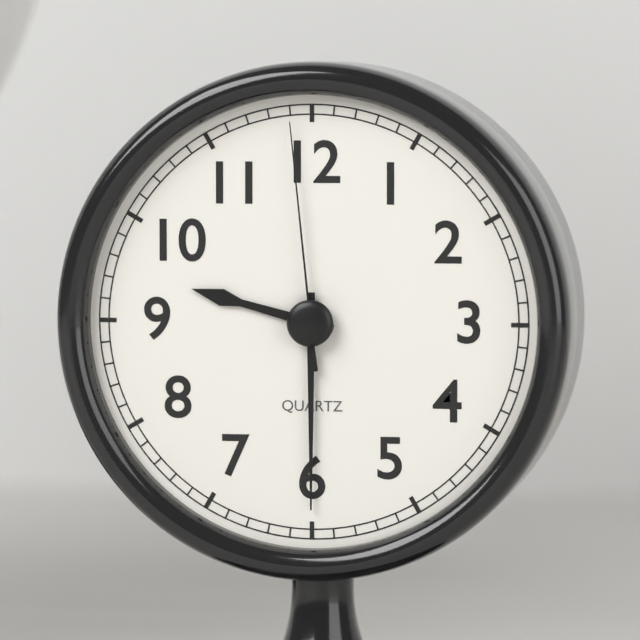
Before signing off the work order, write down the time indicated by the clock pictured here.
9:30:59
